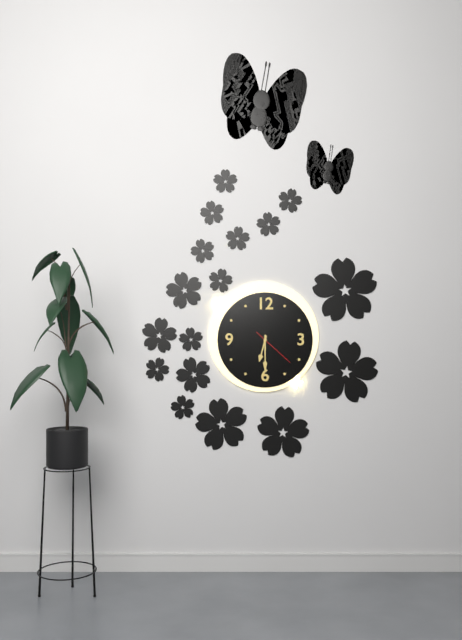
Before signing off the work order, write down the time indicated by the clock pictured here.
6:30
